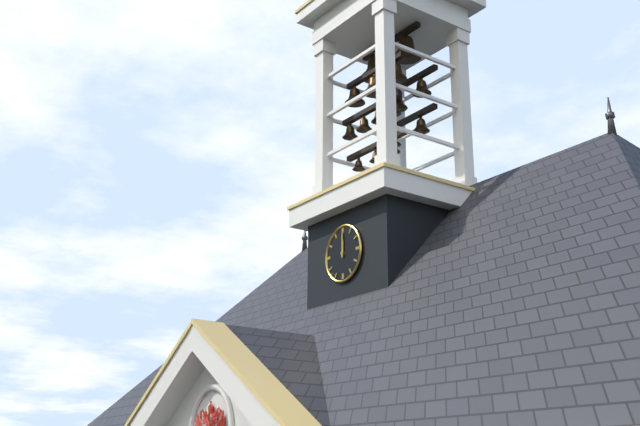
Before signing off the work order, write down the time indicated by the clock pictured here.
12:00
